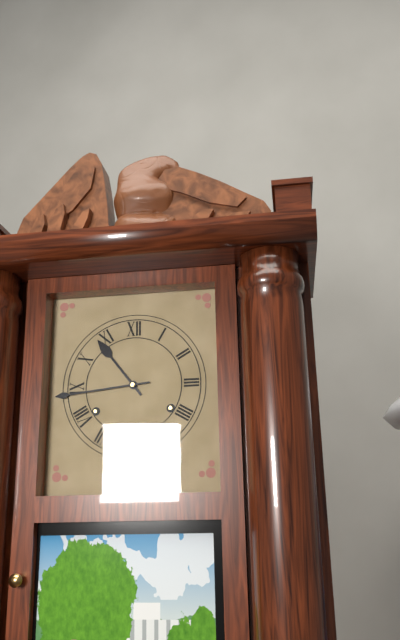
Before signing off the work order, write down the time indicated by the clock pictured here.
10:44
